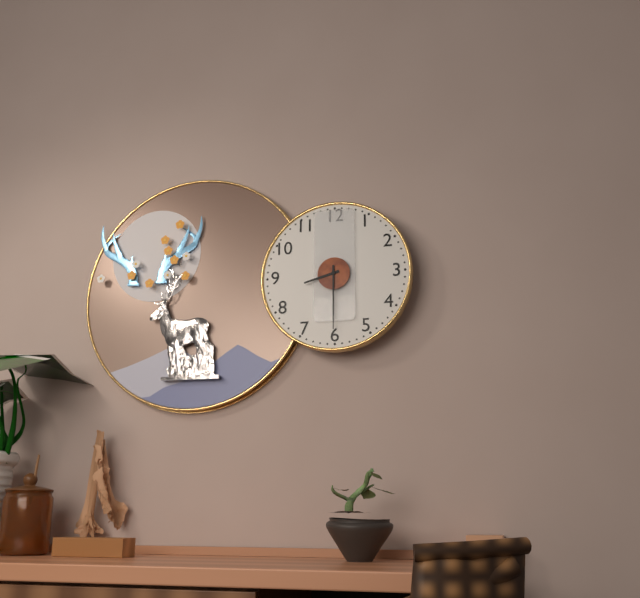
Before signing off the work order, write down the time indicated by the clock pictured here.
8:30
